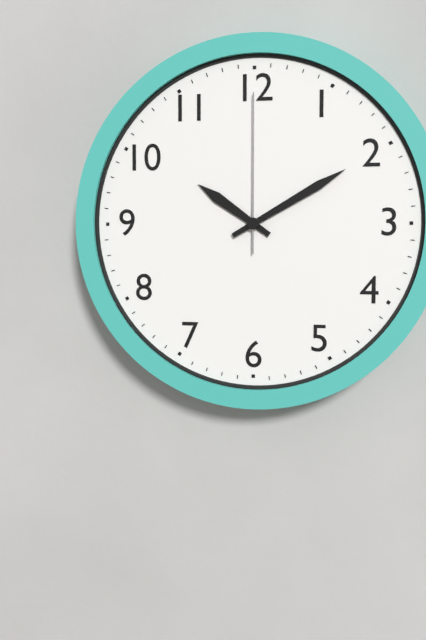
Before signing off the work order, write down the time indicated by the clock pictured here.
10:10:00
